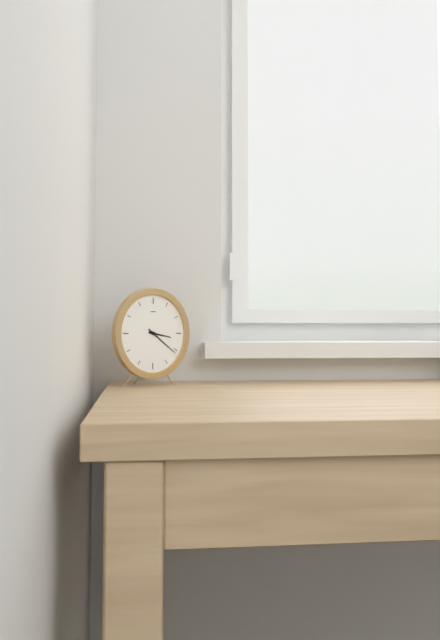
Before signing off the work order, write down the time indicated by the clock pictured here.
3:21
